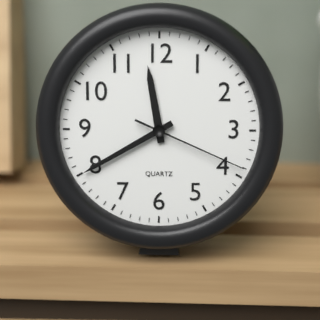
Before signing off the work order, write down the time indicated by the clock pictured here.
11:40:19
